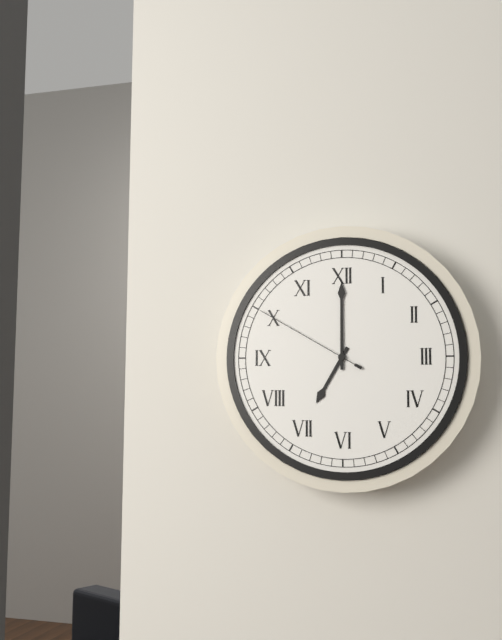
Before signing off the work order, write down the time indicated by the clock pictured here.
7:00:50
